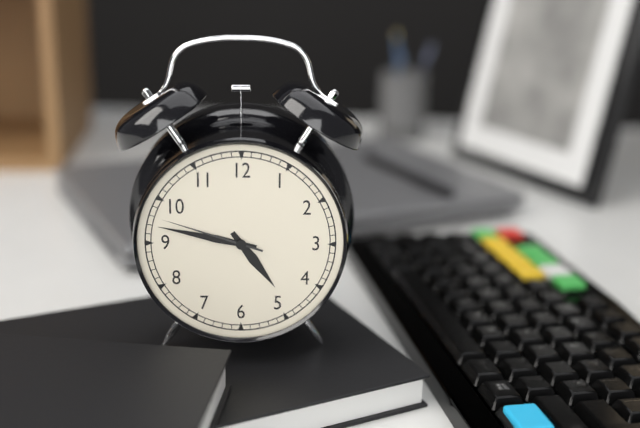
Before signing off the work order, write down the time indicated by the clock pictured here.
4:47:48
